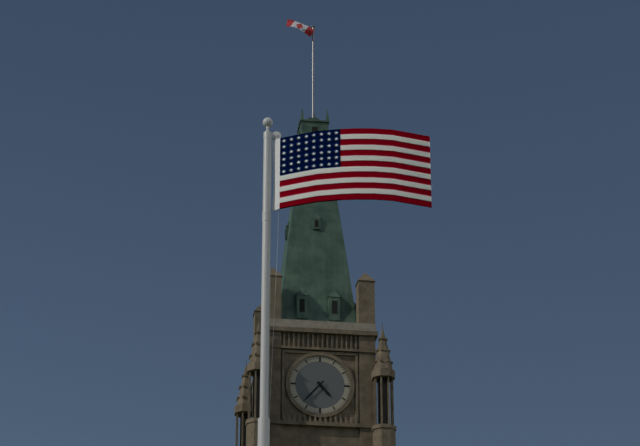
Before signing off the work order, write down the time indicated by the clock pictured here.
4:37
